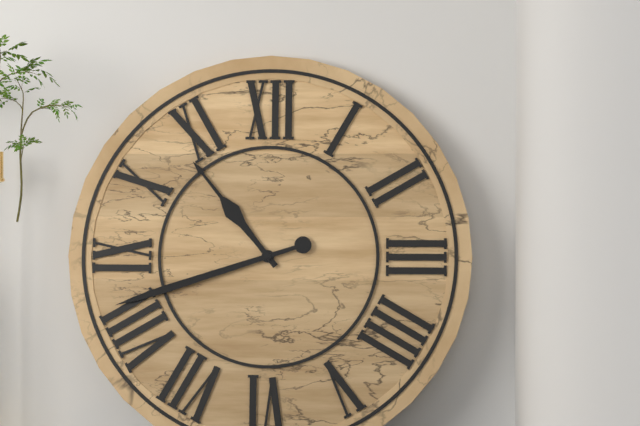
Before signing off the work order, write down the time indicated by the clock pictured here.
10:42
